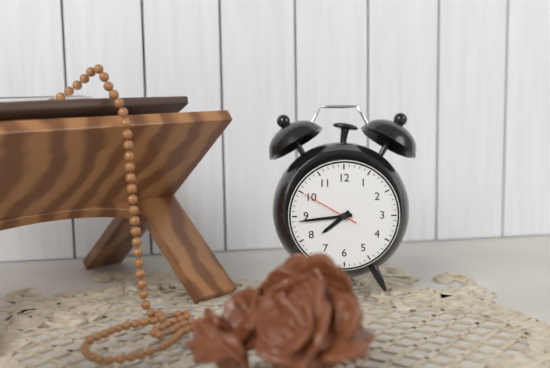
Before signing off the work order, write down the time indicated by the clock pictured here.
7:44:50
